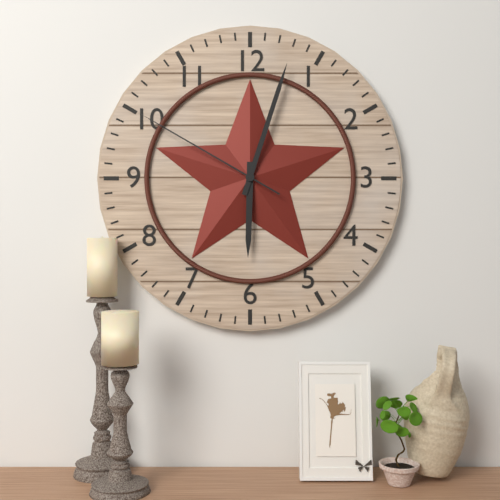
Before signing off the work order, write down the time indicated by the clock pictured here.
6:03:50
